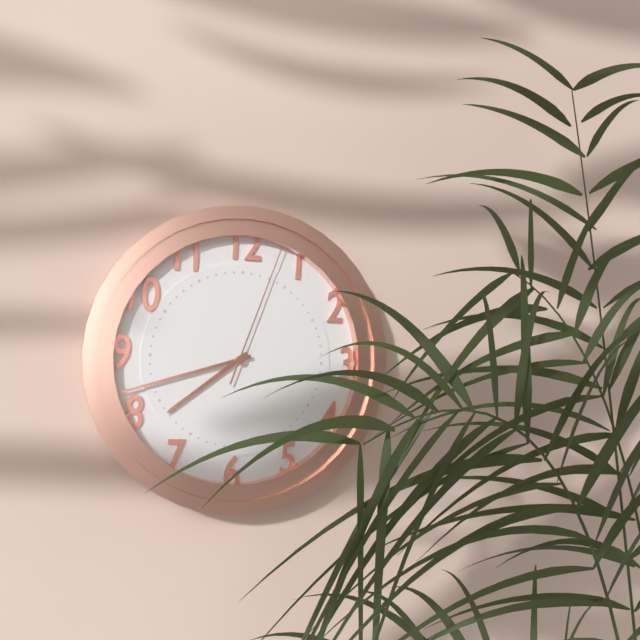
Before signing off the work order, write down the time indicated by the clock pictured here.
7:42:03
